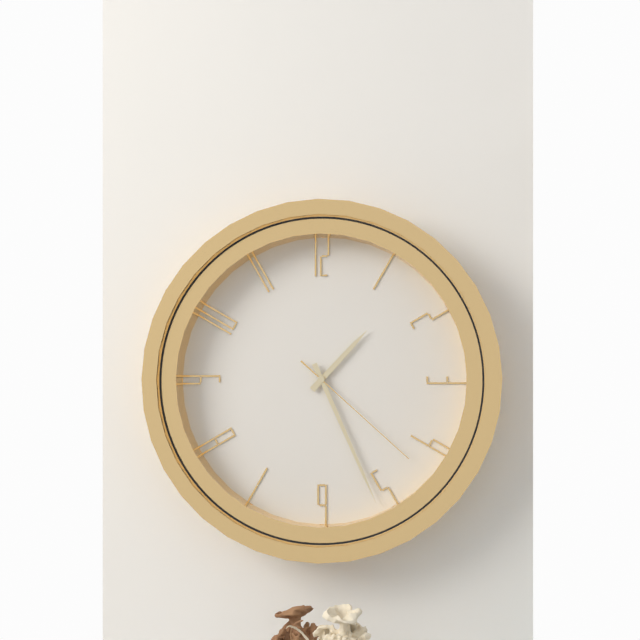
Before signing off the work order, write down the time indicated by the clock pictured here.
1:26:22
